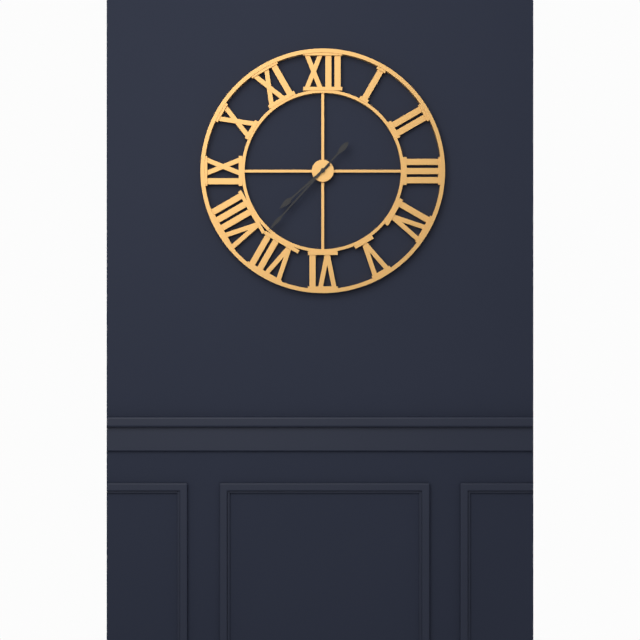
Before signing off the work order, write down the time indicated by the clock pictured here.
7:37
